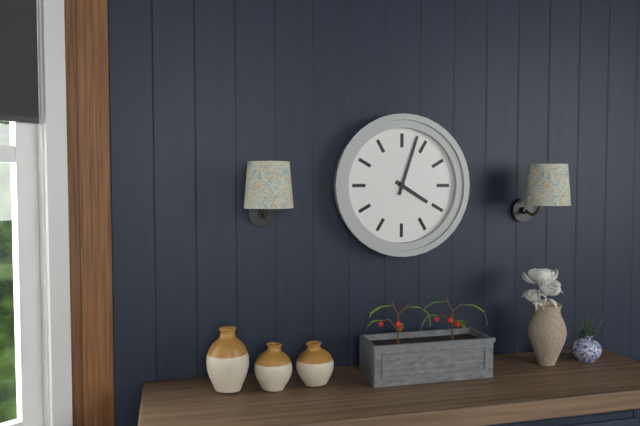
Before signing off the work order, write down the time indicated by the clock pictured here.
4:03
